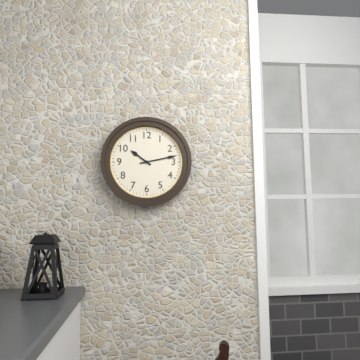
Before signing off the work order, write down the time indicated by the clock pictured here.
10:13
